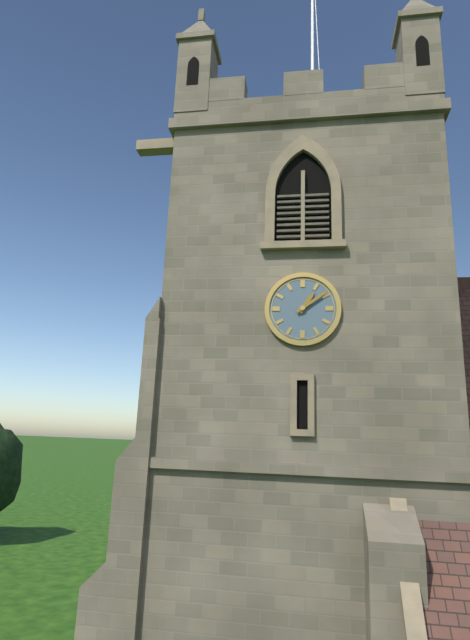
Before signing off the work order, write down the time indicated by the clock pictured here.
1:09
